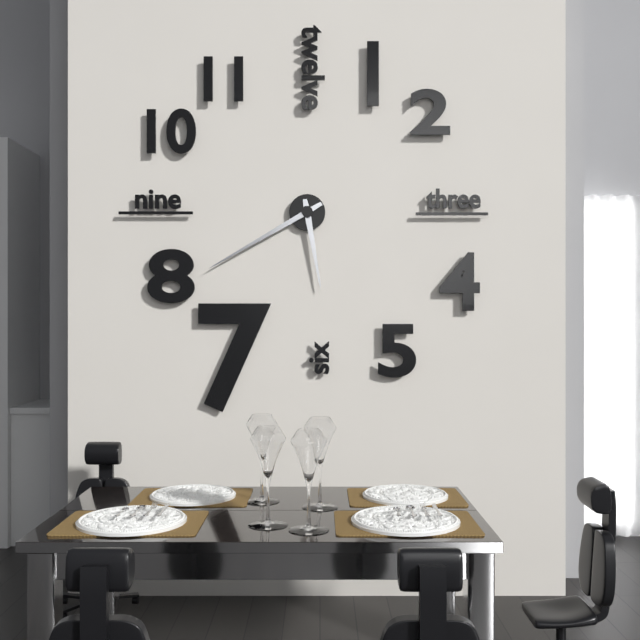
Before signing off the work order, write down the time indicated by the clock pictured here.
5:40
